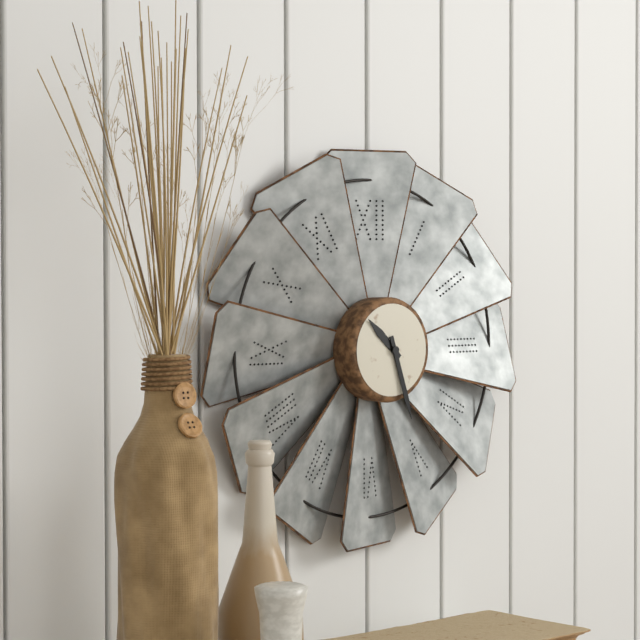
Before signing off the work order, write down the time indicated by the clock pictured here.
10:27
